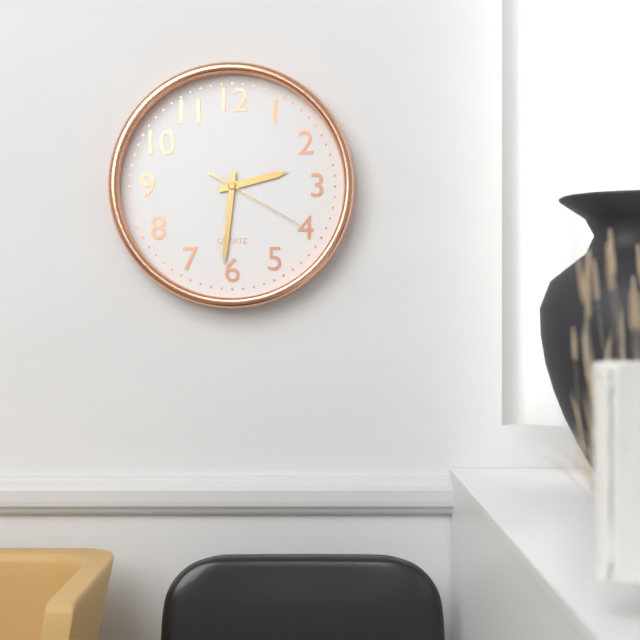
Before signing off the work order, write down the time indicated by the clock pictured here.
2:31:20
